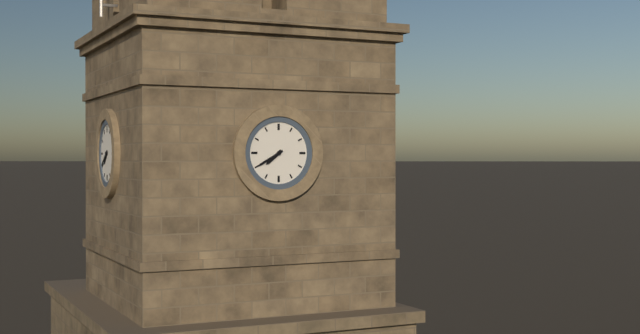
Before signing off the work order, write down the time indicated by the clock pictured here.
7:40
